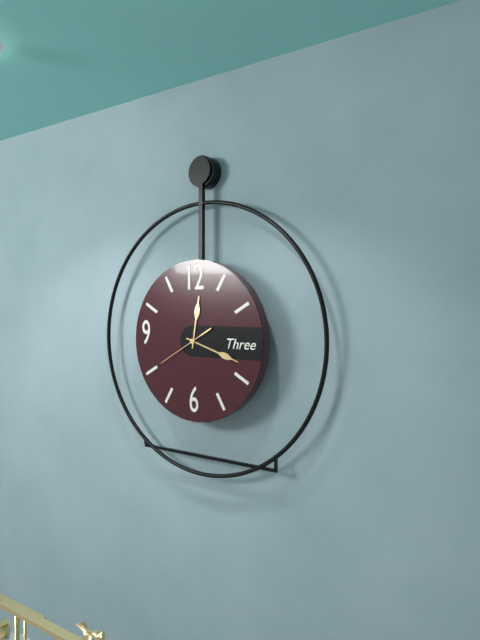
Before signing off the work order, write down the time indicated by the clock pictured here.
12:18:40
